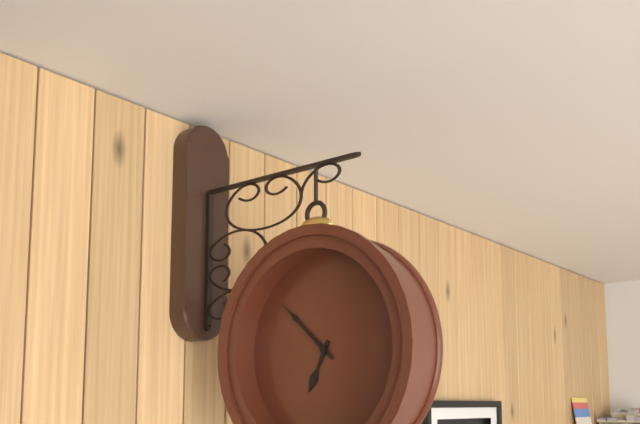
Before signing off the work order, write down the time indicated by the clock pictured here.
6:52
